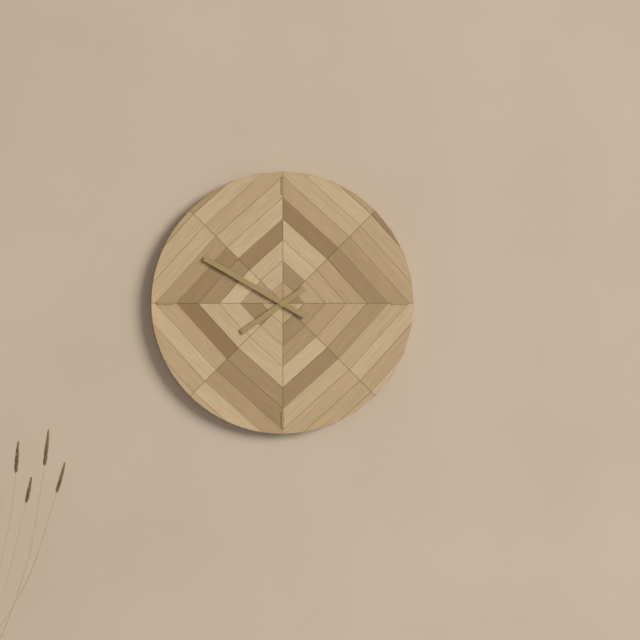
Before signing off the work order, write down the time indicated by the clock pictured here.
7:50
